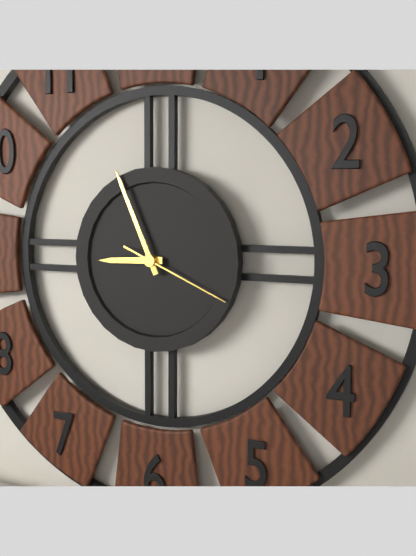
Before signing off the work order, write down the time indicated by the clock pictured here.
8:56:19
